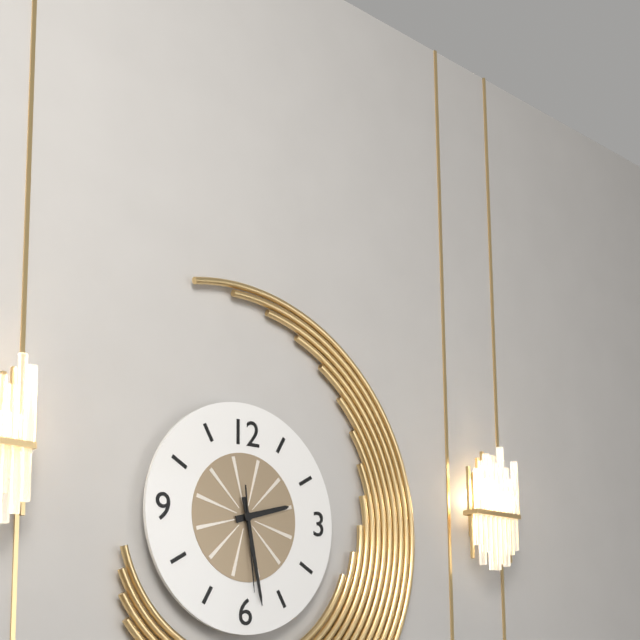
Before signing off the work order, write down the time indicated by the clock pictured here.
2:28:29
